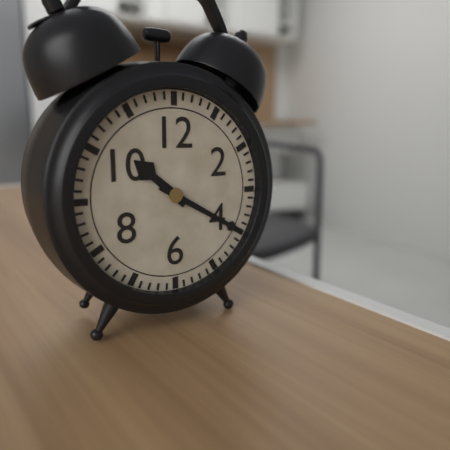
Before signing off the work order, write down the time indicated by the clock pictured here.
10:20
